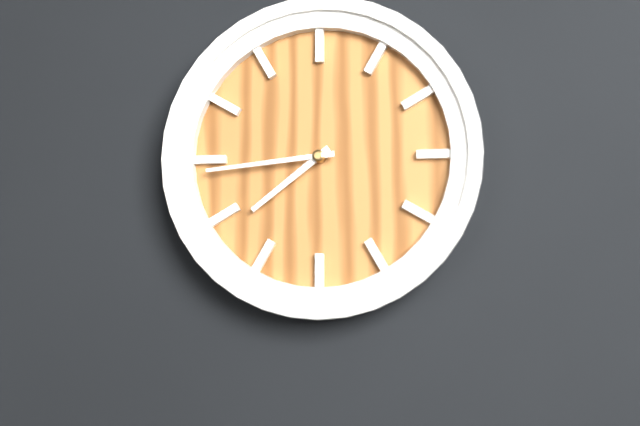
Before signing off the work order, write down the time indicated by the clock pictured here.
7:44
